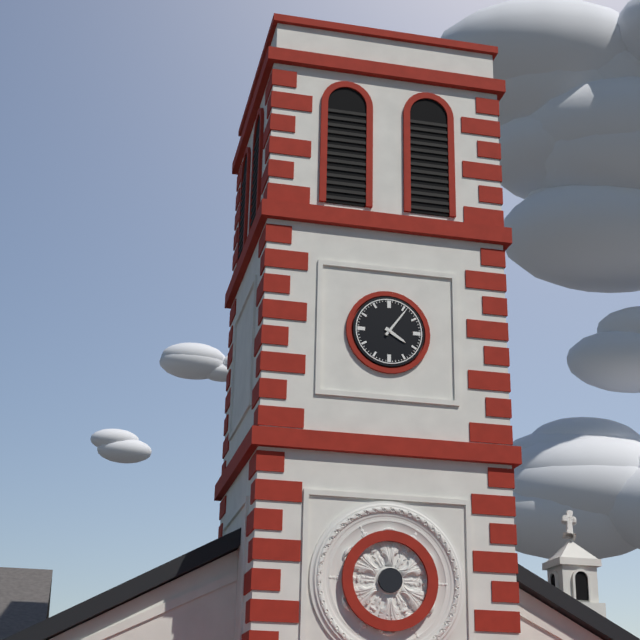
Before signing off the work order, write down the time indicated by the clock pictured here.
4:06
